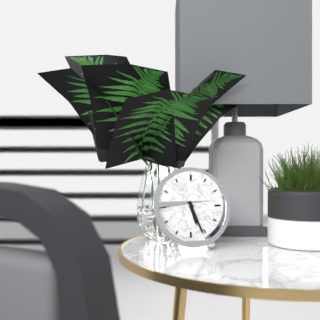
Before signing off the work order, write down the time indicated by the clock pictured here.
5:26
